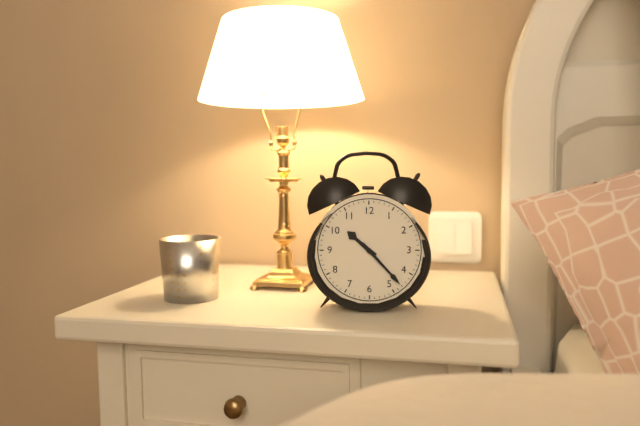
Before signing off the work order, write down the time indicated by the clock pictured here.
10:23
